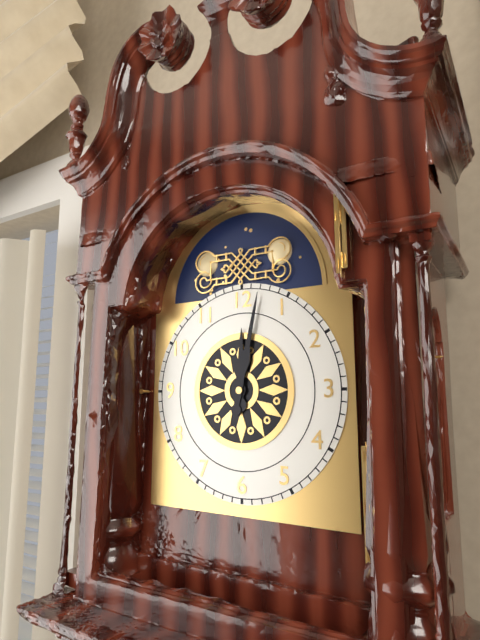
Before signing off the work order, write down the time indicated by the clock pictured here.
12:02
